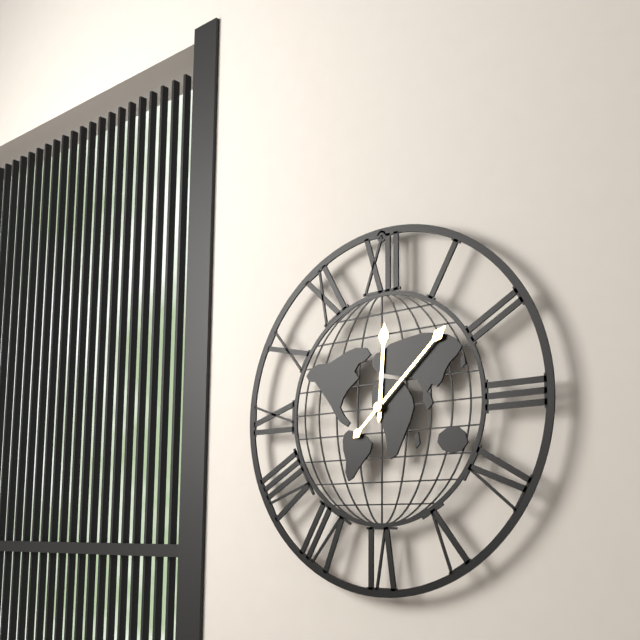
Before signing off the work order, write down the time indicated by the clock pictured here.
12:08
